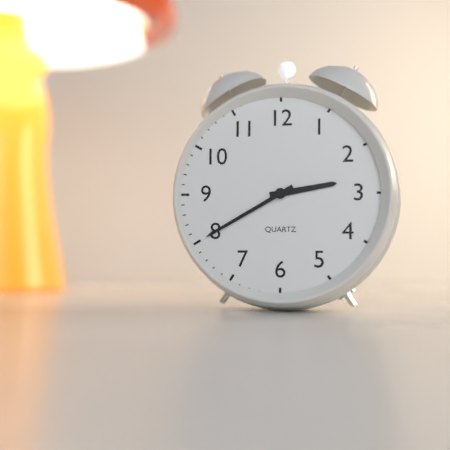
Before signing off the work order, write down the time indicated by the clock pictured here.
2:40
